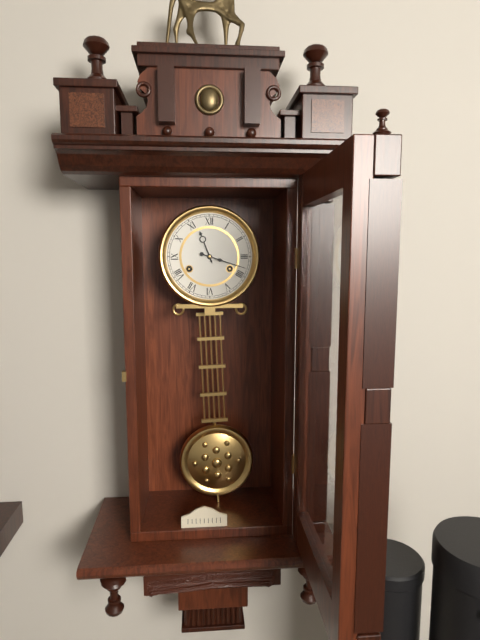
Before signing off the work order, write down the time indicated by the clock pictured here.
11:18
